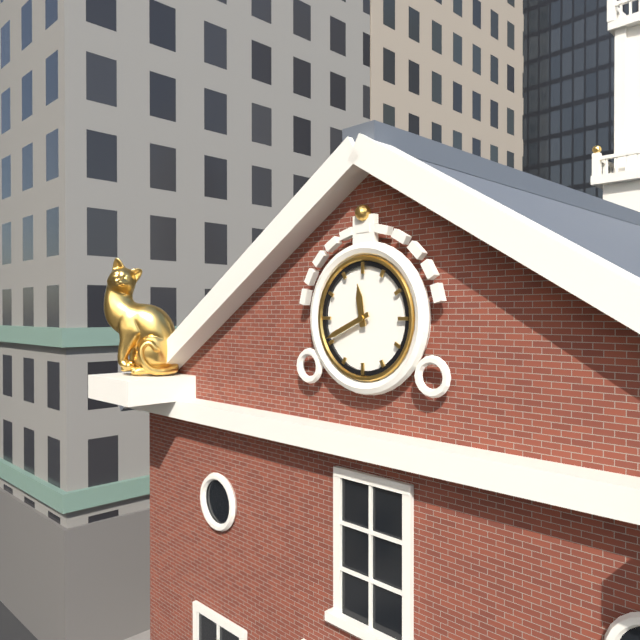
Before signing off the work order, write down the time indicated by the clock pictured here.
11:41
